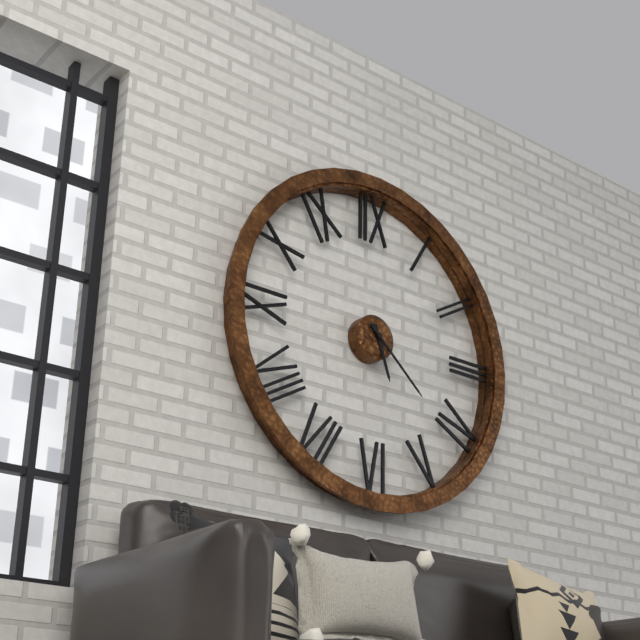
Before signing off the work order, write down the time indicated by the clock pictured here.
5:22
